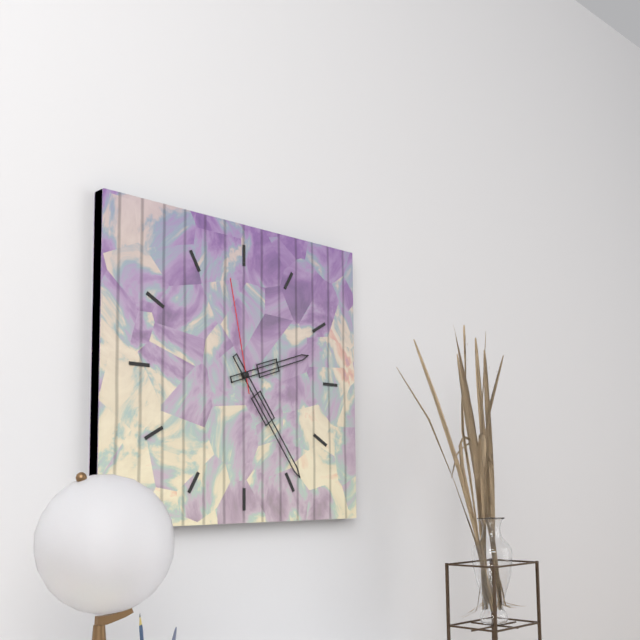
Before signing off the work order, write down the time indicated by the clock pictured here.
2:24:58
